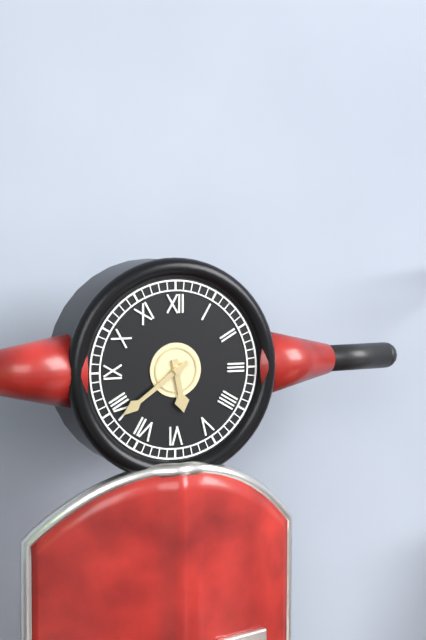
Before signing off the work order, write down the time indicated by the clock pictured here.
5:39
